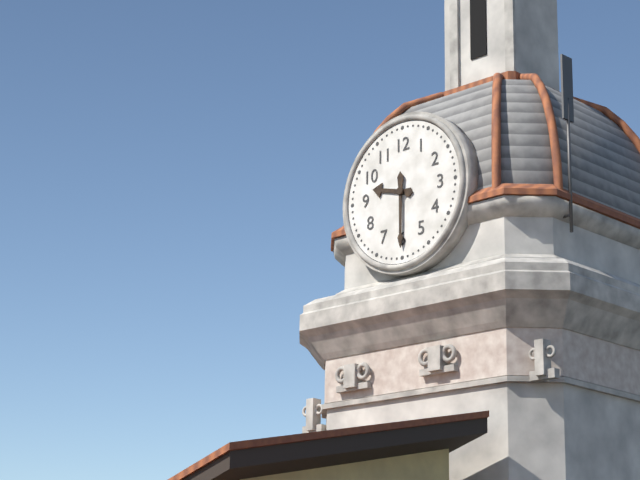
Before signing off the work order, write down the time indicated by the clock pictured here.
9:30
